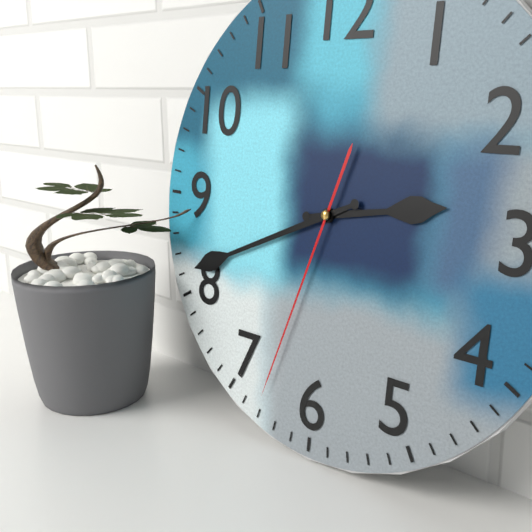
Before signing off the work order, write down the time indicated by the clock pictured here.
2:41:33
